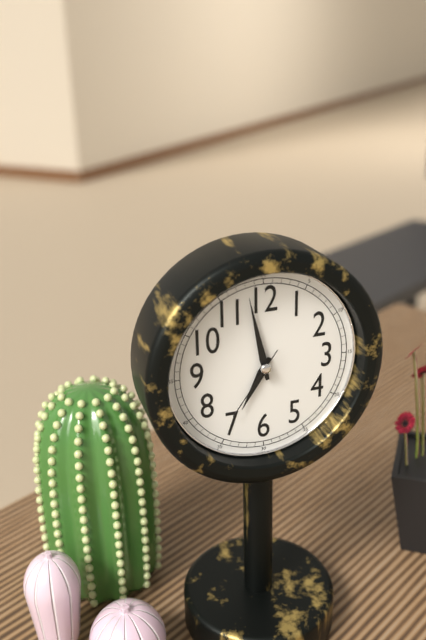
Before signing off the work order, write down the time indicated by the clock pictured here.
6:58:36
